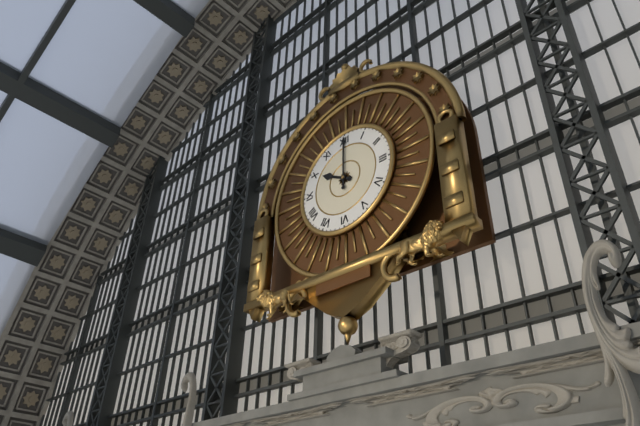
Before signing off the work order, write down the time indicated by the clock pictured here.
10:00
